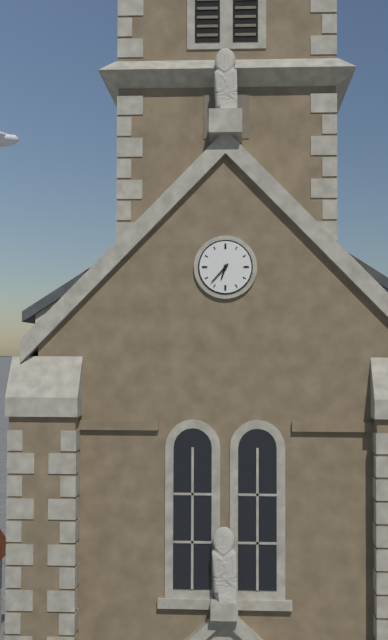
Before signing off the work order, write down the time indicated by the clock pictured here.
6:37
